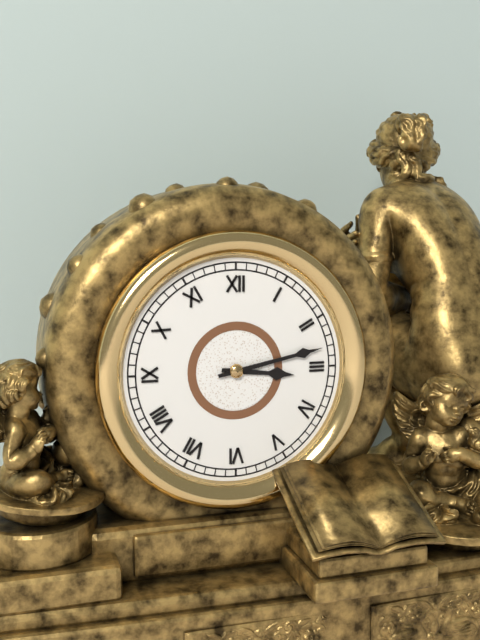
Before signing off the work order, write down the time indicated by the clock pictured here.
3:13
